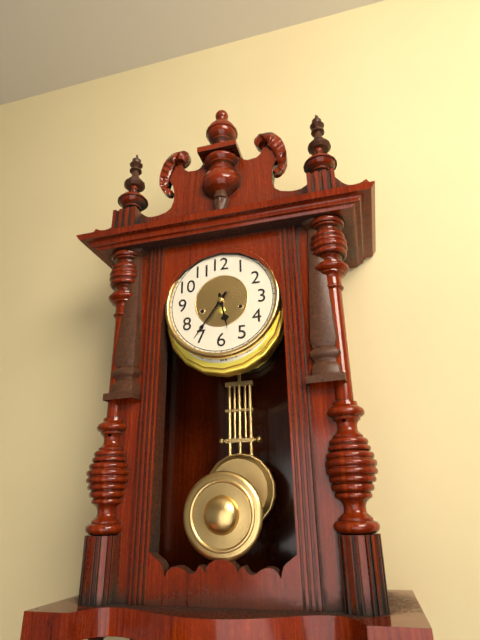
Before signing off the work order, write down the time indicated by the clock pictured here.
5:36
